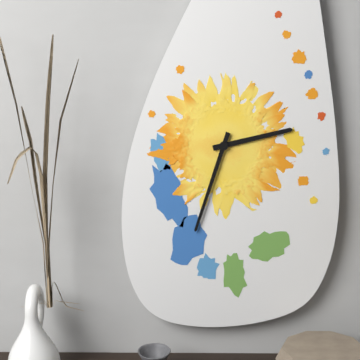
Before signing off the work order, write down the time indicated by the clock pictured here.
2:33
